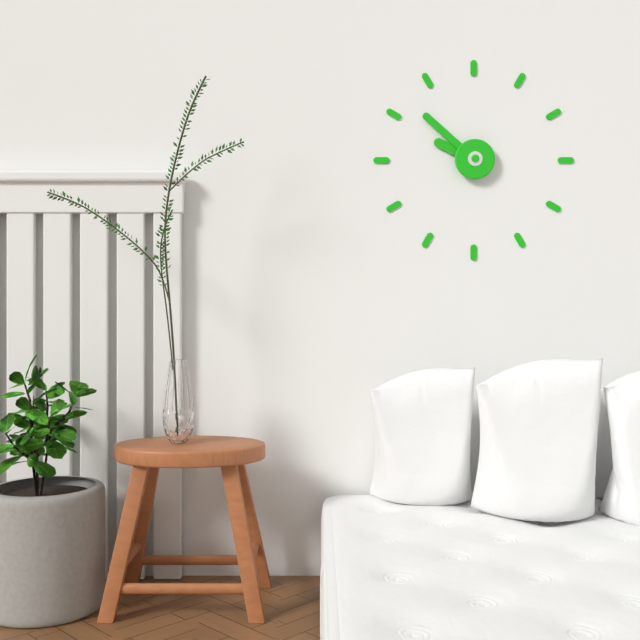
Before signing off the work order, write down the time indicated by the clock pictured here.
9:52
